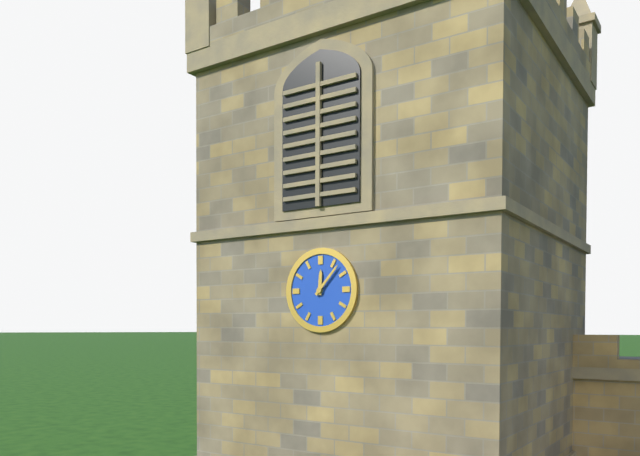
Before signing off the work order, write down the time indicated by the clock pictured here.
12:07
